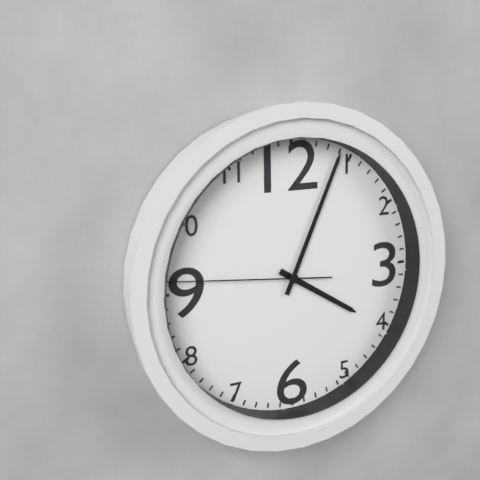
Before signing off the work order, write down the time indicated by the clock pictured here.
4:04:46
